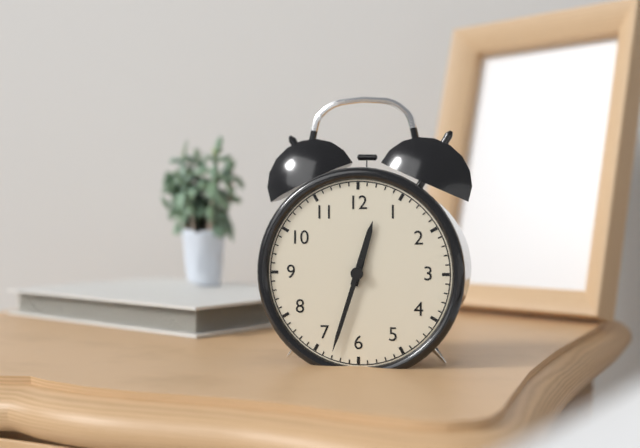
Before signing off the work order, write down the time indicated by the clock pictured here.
12:33
